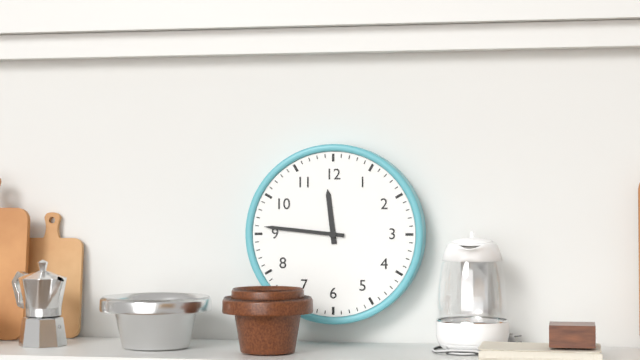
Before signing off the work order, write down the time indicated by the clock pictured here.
11:46
